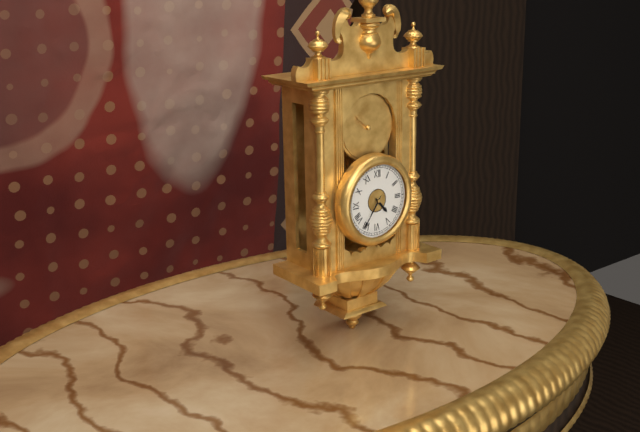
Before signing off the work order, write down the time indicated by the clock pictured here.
4:36
